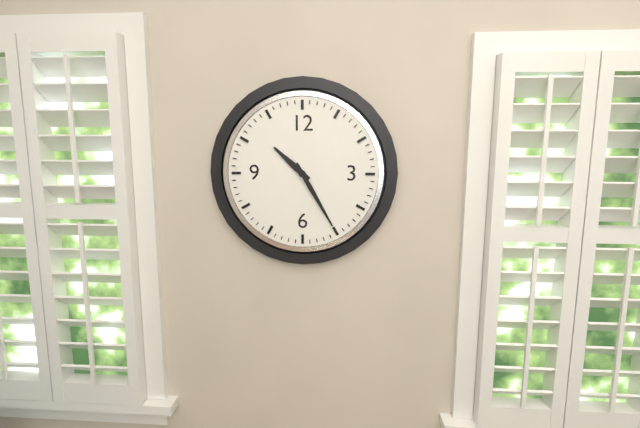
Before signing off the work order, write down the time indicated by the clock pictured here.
10:25
